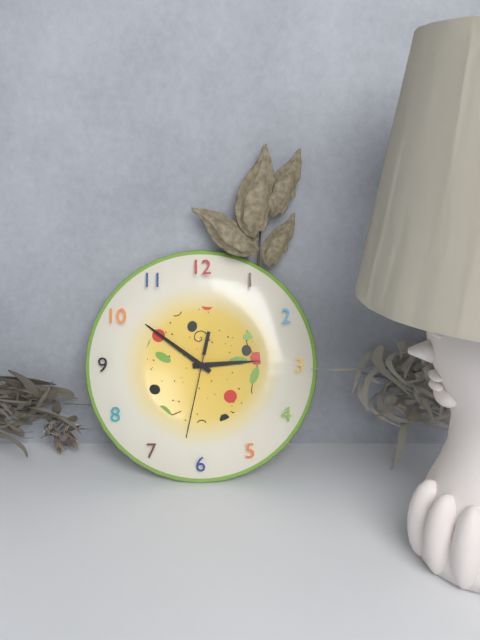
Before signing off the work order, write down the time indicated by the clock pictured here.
2:51:32
